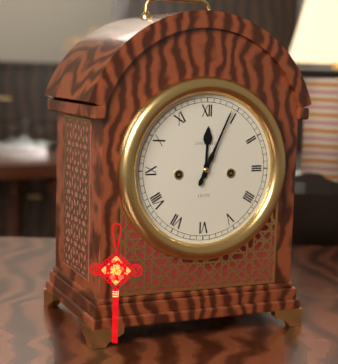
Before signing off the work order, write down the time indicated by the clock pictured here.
12:04
